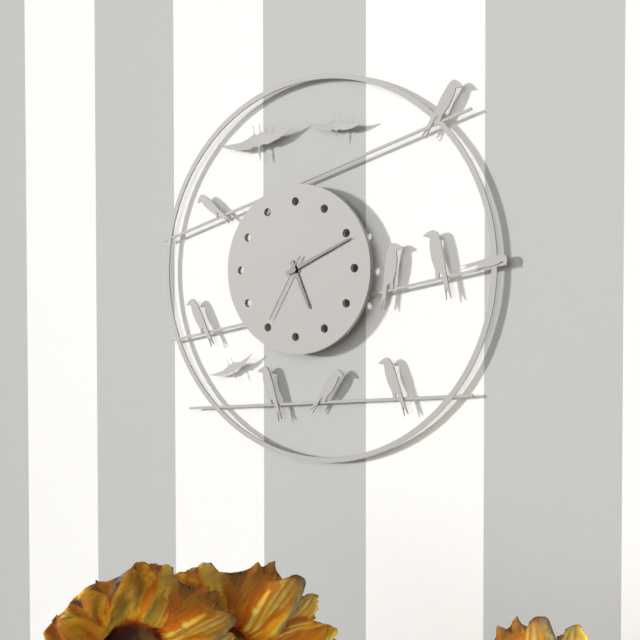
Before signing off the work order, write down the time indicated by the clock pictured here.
5:11:35
